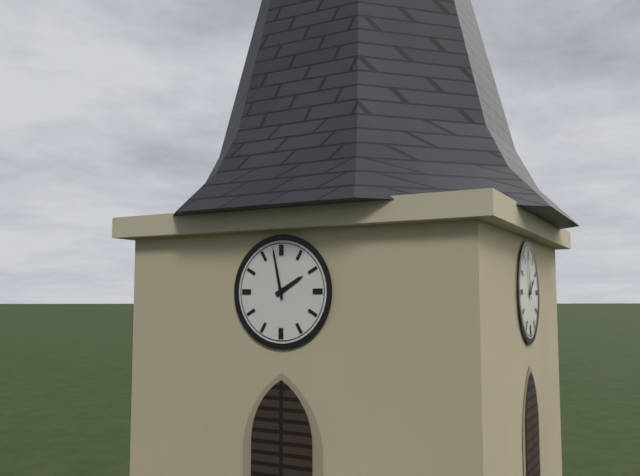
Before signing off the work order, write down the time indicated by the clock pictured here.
1:58
